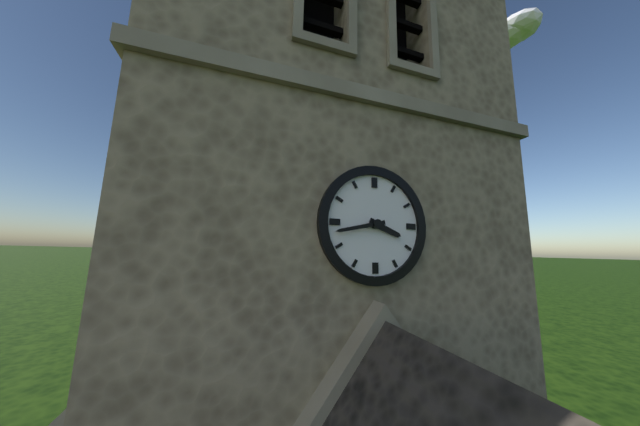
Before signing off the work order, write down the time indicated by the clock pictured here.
3:43
